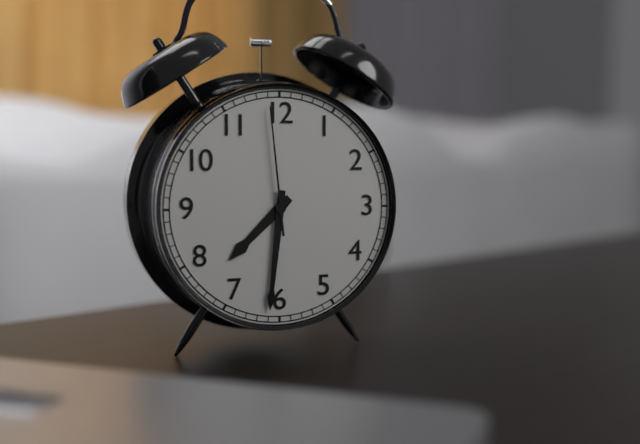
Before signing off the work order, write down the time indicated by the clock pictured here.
7:31:59
